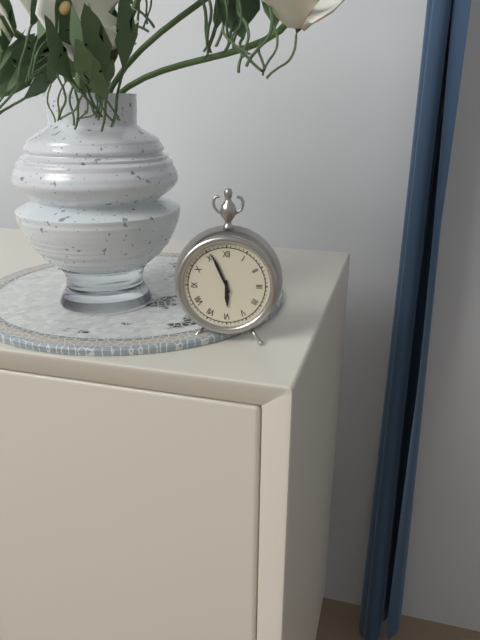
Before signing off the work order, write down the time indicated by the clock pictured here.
5:56
